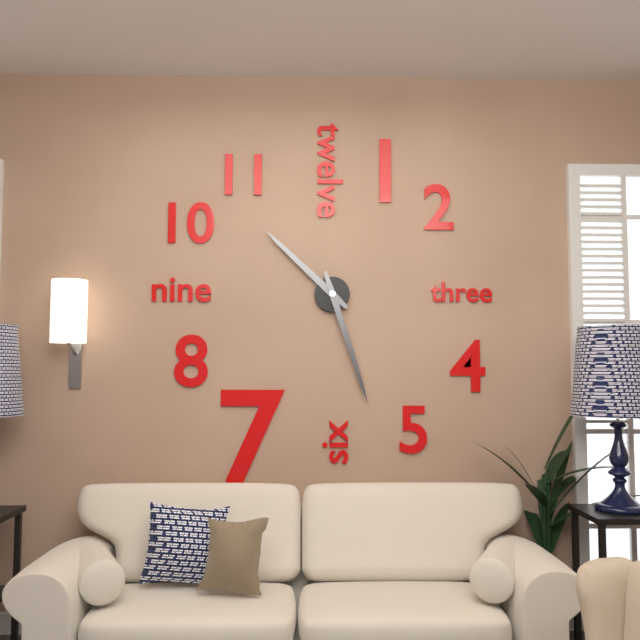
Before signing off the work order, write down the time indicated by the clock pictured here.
10:27
